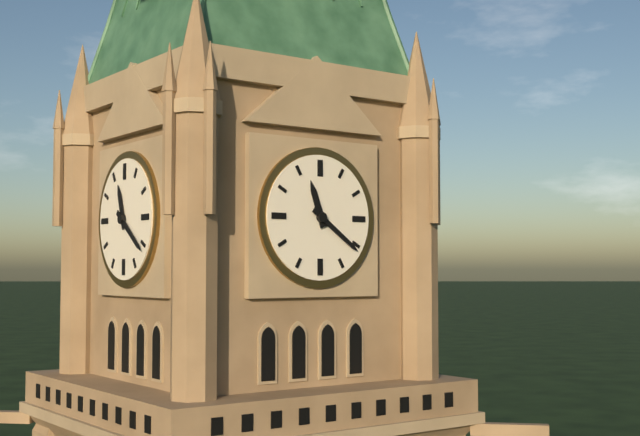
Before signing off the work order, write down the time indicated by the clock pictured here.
11:21
